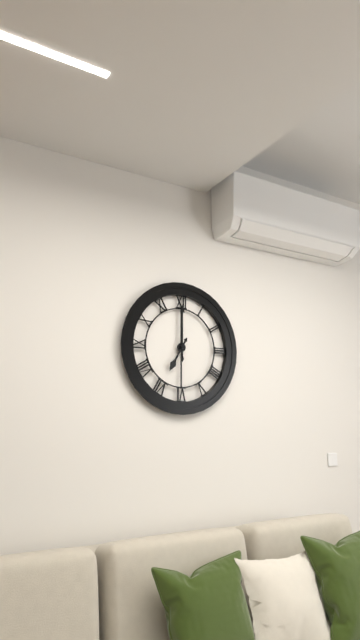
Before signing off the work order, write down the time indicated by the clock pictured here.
7:00
